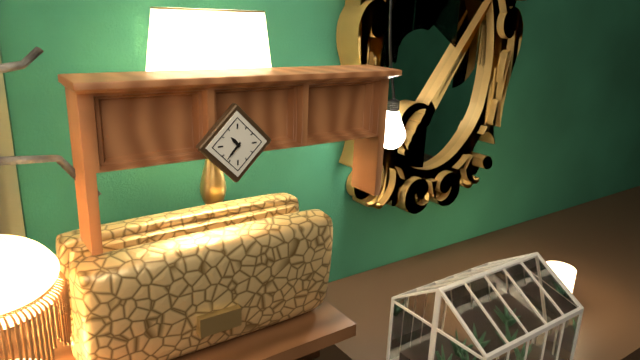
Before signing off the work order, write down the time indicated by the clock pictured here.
10:37
